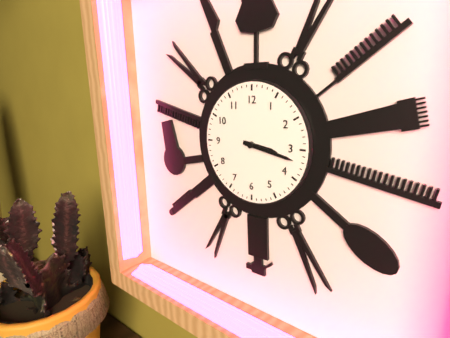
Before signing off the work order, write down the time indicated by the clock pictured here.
3:17
